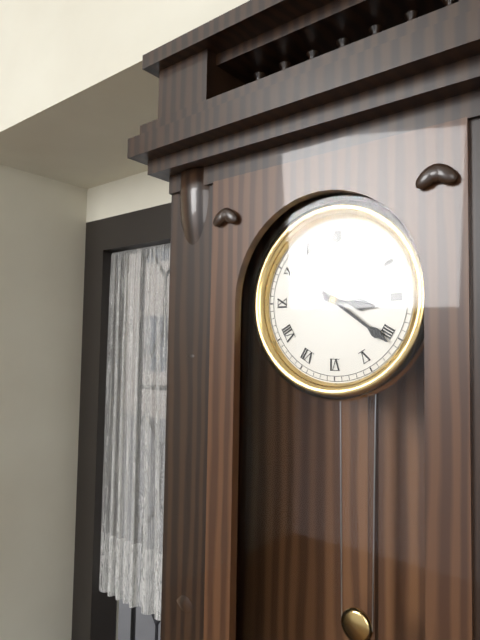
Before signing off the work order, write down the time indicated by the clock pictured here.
3:21
